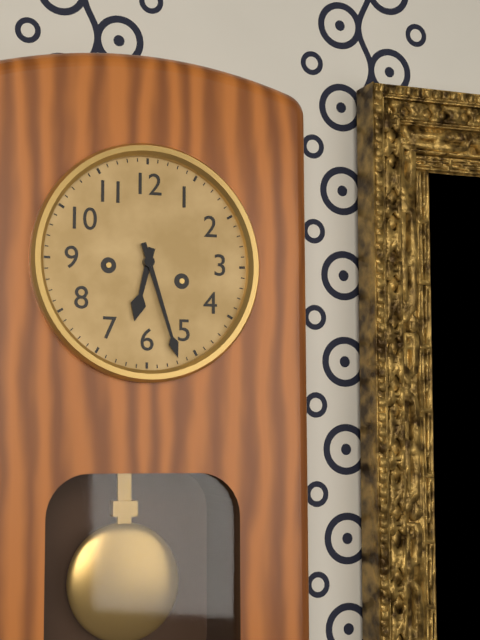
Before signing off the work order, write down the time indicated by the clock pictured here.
6:27
